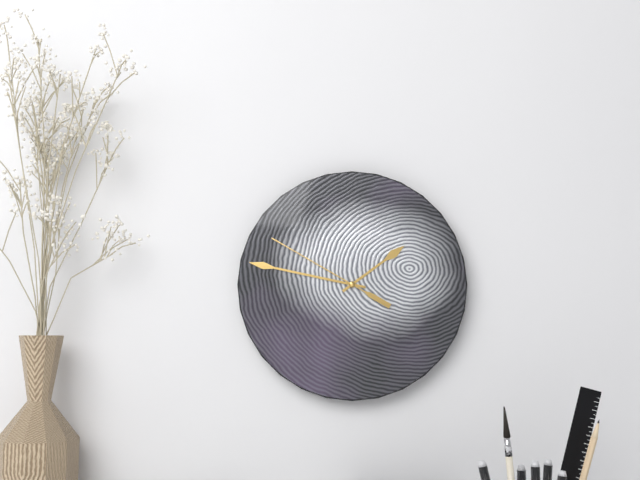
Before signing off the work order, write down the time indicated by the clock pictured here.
1:47:50
